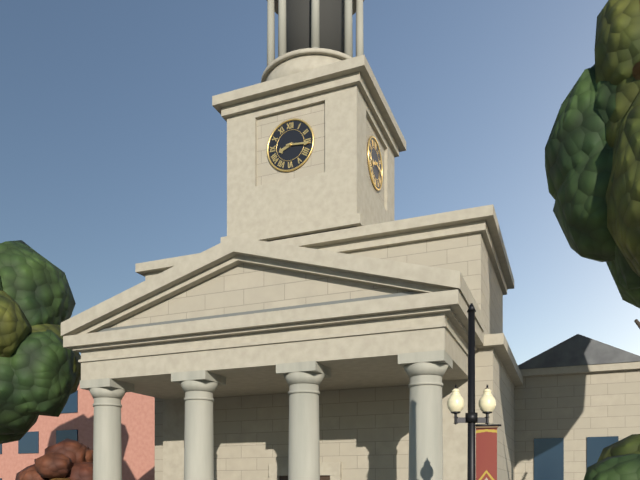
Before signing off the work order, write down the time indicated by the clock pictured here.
8:16
